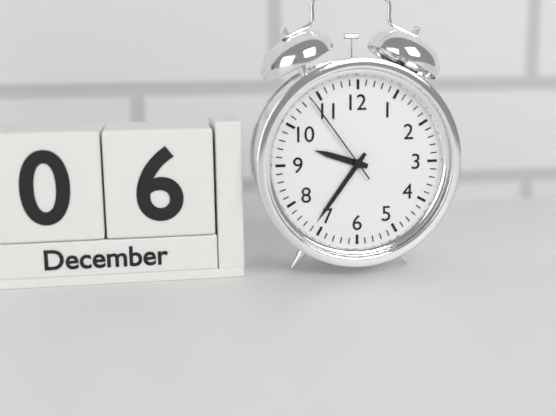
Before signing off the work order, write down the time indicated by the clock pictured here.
9:36:54
